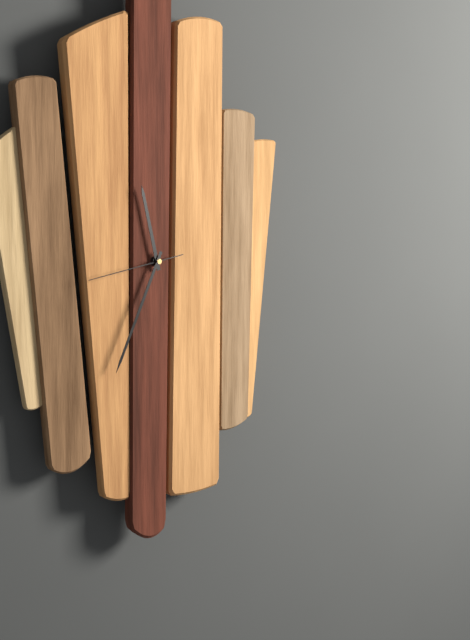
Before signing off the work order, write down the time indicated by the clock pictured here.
11:34:43
